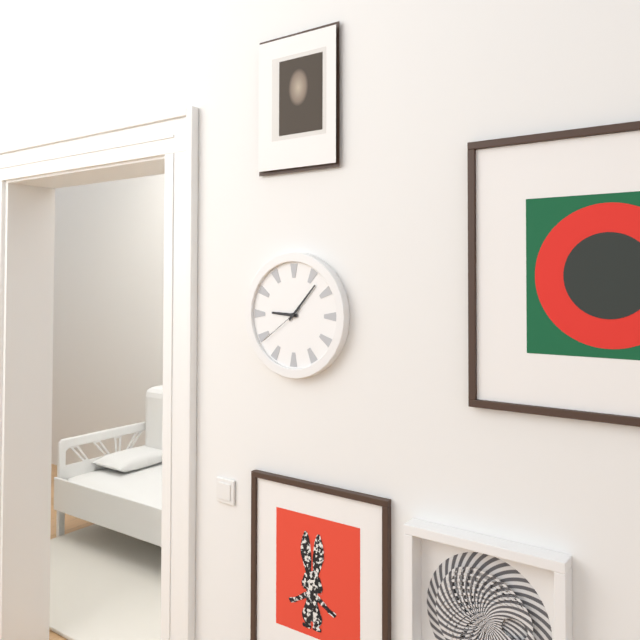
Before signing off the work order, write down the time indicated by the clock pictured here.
9:07
